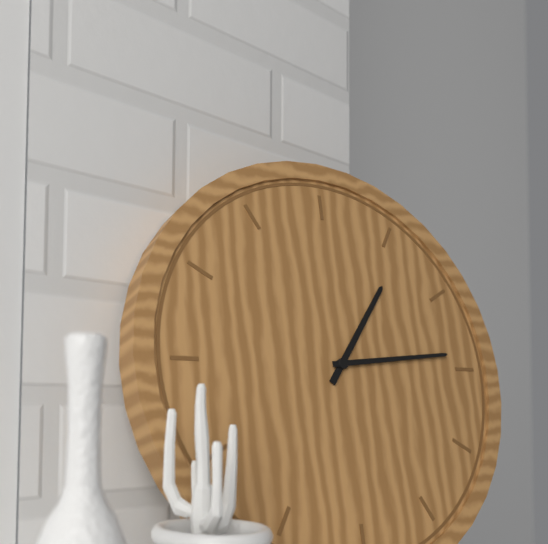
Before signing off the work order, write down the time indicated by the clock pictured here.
1:14
